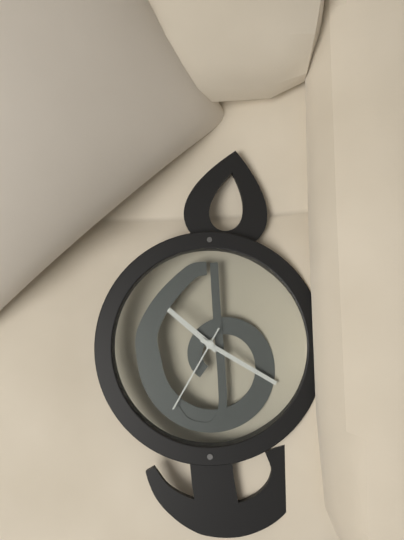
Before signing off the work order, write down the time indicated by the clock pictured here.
10:20:35
